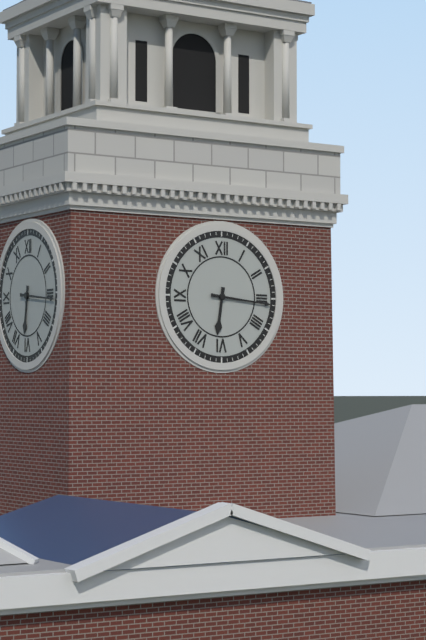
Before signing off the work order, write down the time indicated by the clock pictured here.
6:16
